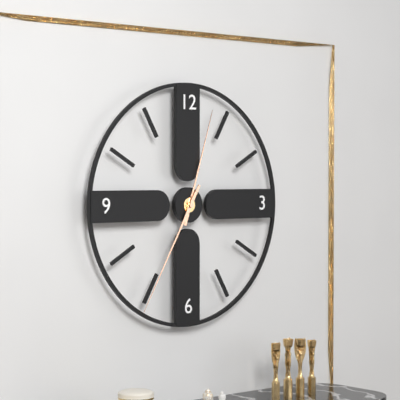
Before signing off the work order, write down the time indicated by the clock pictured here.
12:35
